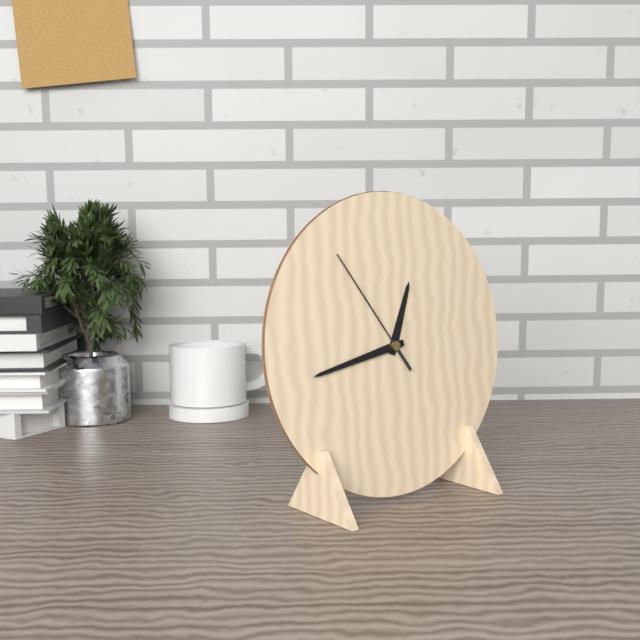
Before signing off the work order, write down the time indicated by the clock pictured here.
12:43:54
